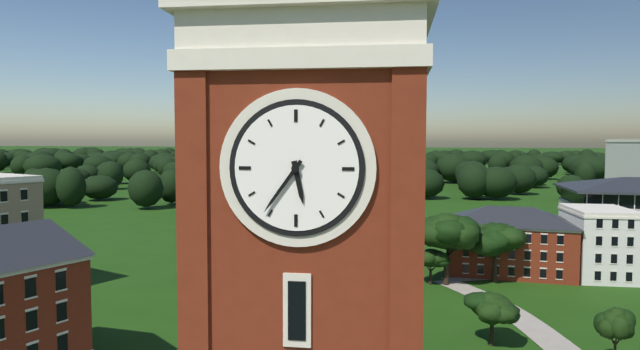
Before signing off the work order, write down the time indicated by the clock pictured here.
5:36
